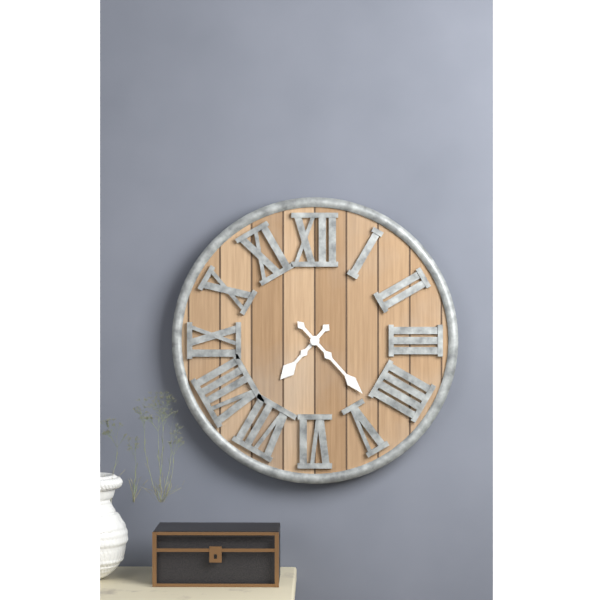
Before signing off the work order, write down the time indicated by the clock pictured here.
7:23
